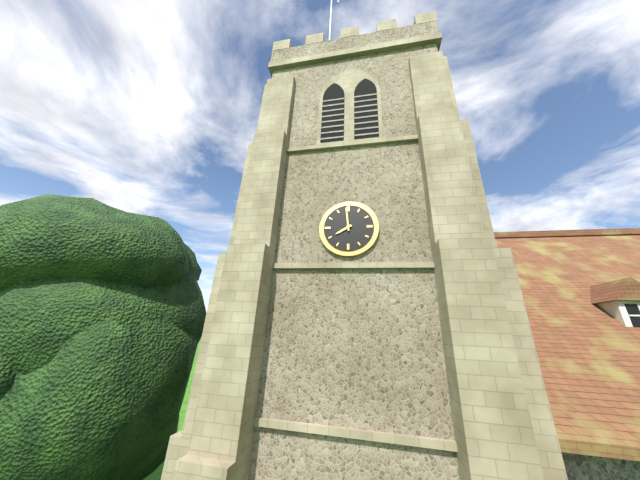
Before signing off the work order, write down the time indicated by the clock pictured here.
7:59
